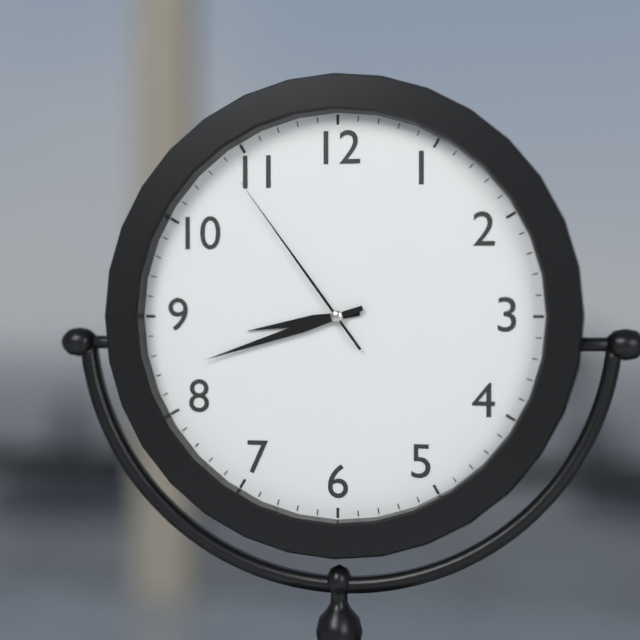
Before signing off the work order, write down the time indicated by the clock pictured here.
8:42:54
